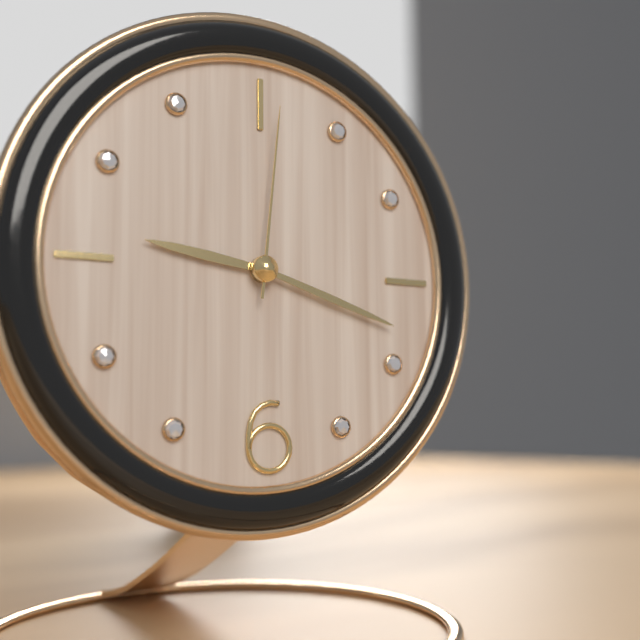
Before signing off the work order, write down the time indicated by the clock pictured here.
9:18:01
